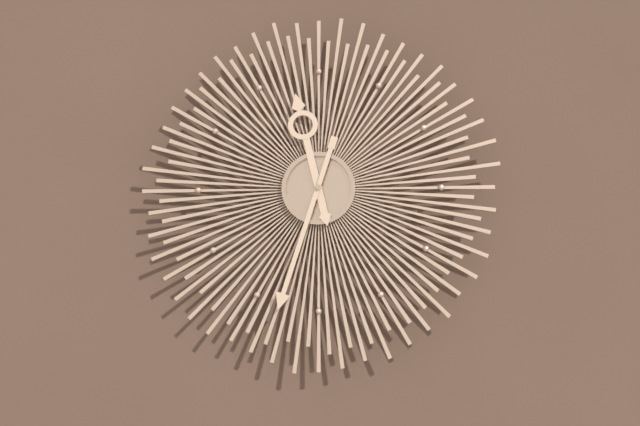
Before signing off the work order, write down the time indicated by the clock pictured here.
11:33
